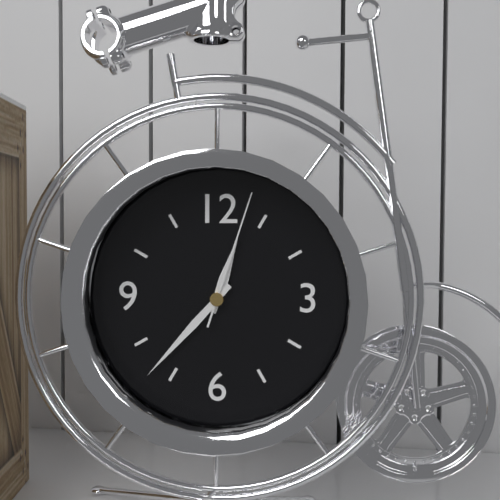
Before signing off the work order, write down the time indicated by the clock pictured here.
12:37:03
